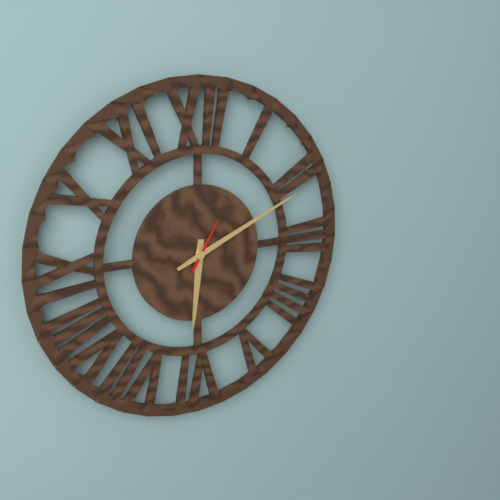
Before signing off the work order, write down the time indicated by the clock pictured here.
6:11
